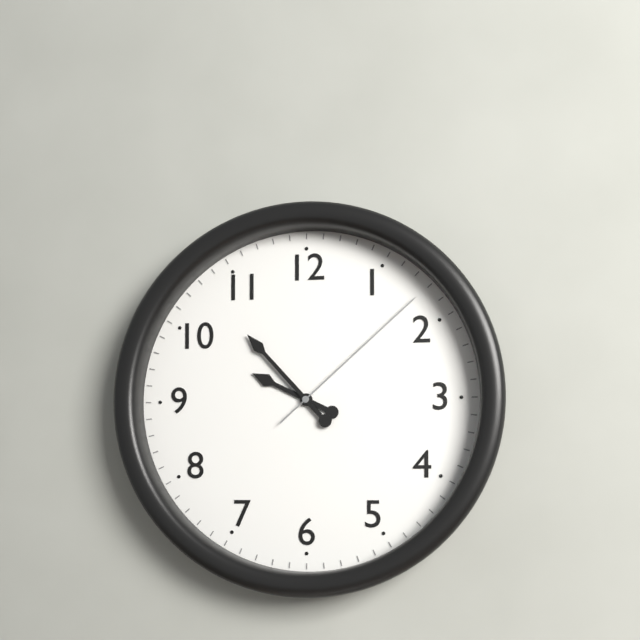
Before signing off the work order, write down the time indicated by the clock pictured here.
9:53:08
